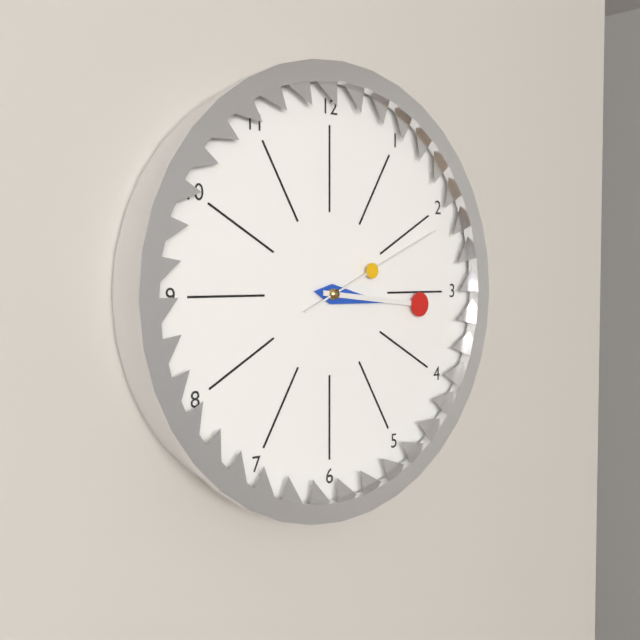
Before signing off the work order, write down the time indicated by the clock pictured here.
3:16:11
